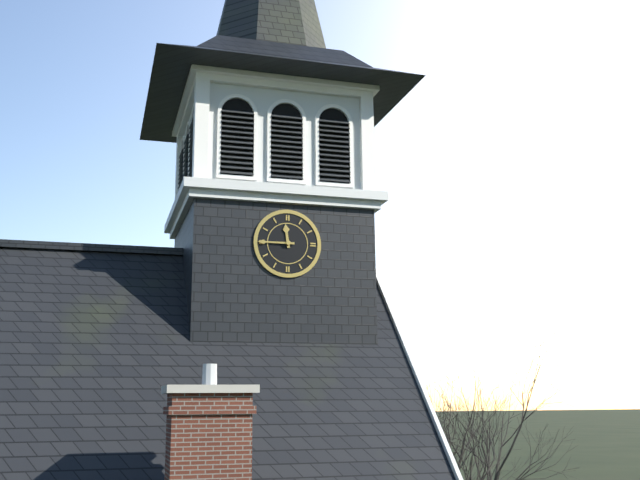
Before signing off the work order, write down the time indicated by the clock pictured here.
11:45
